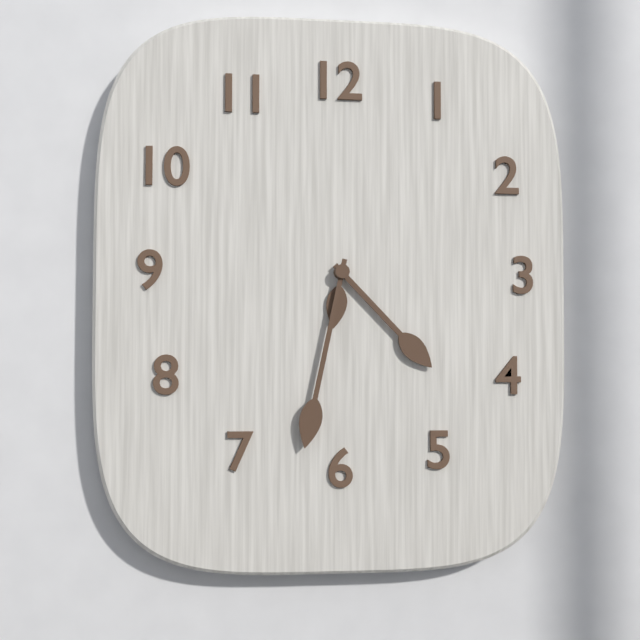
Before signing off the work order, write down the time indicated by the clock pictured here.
4:32
